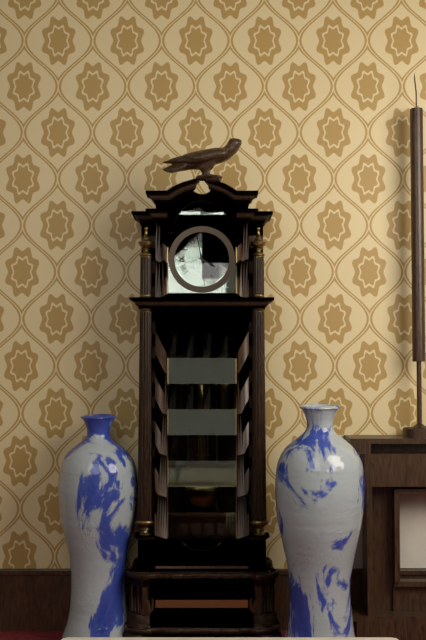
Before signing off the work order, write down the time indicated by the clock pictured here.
3:58
